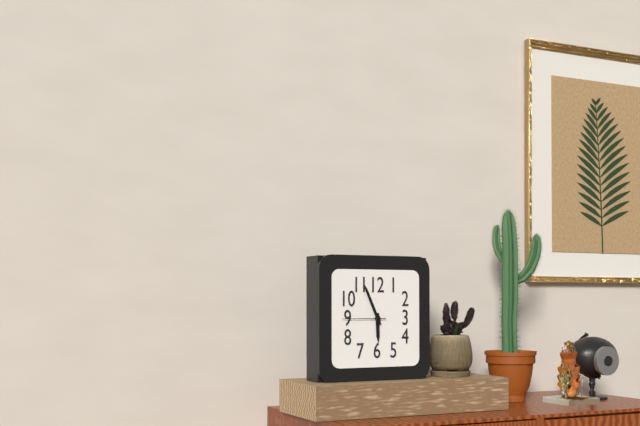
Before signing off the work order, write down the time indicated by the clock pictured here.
5:56
